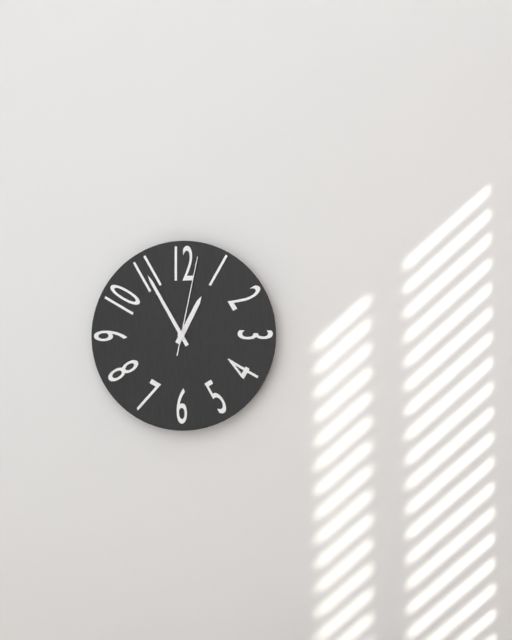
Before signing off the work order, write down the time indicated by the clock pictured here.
12:55:02
